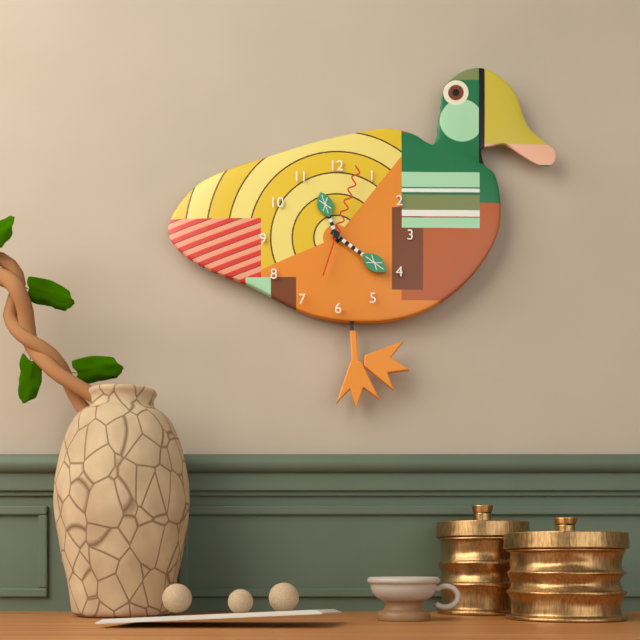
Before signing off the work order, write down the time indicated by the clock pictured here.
11:21:03
